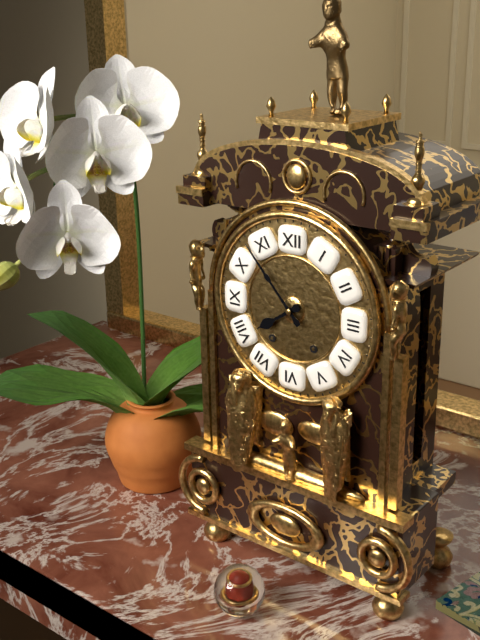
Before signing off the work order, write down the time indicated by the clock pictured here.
7:53
